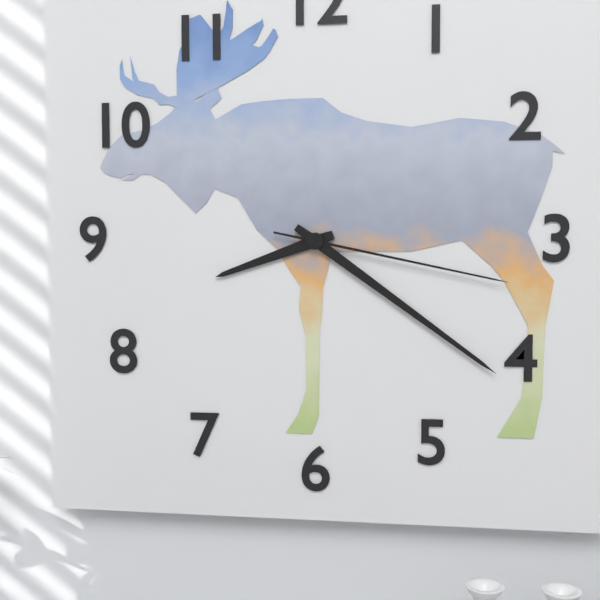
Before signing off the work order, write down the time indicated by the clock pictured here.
8:21:17
